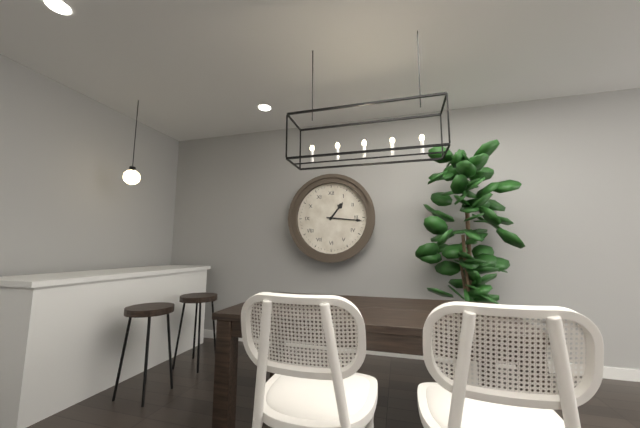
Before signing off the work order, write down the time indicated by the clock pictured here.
1:16
